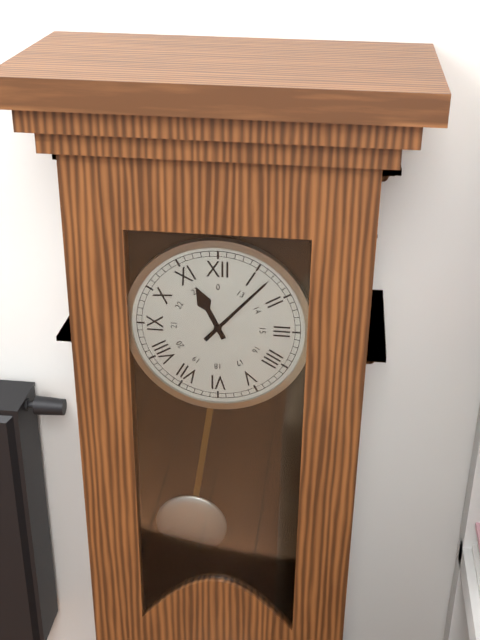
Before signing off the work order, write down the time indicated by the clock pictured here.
11:07
